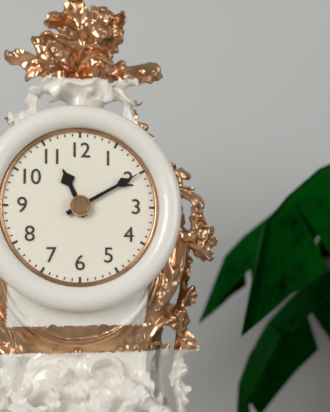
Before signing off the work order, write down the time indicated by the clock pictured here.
11:10
